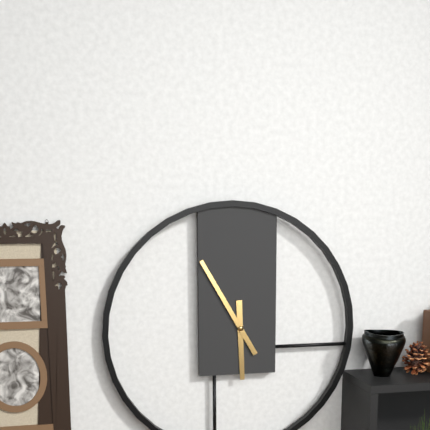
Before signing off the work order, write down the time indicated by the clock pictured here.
5:55
